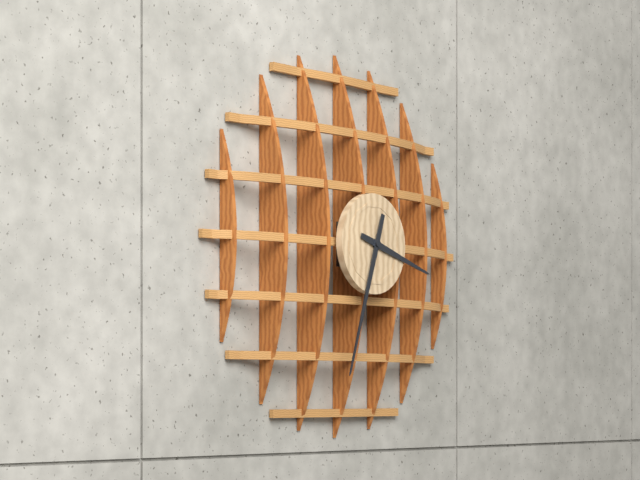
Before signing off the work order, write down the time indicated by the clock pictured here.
3:33
